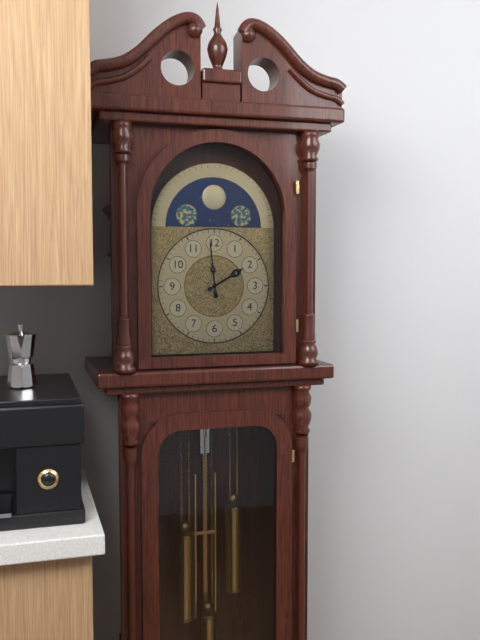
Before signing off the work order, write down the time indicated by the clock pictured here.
1:59
